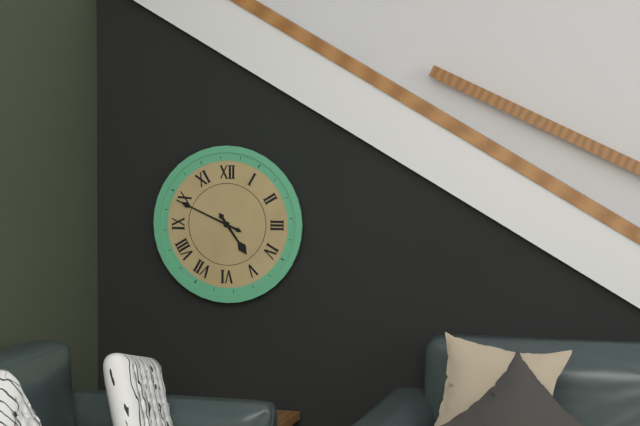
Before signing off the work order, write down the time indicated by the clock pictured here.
4:49
